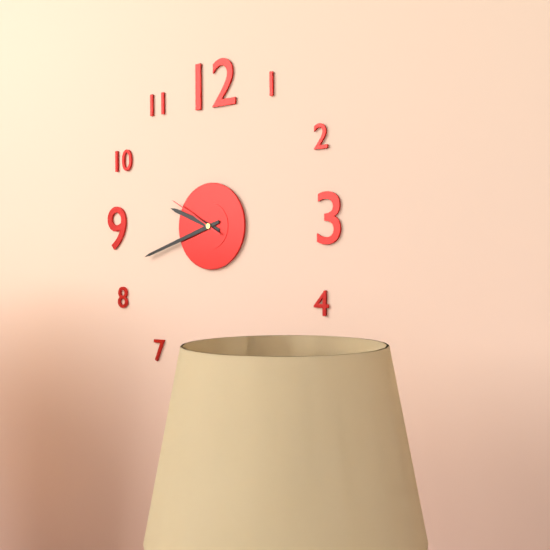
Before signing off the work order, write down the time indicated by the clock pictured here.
9:42:50
